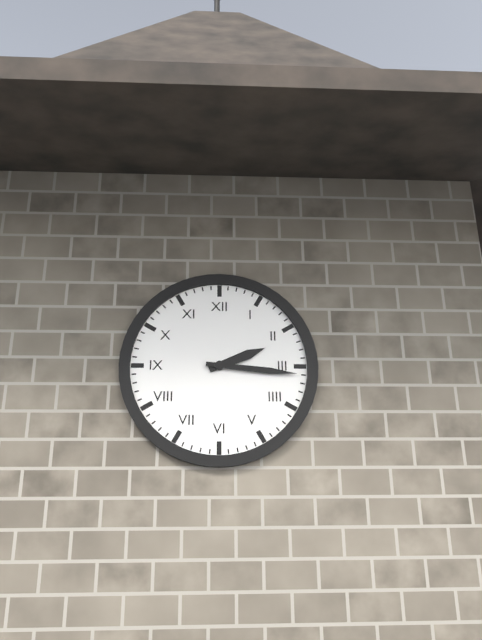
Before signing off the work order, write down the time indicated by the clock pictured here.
2:16
